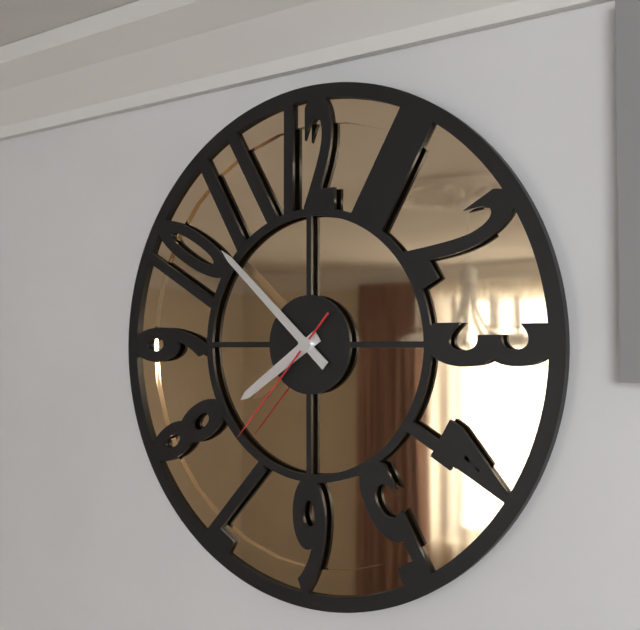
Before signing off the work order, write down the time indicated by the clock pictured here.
7:52:37
